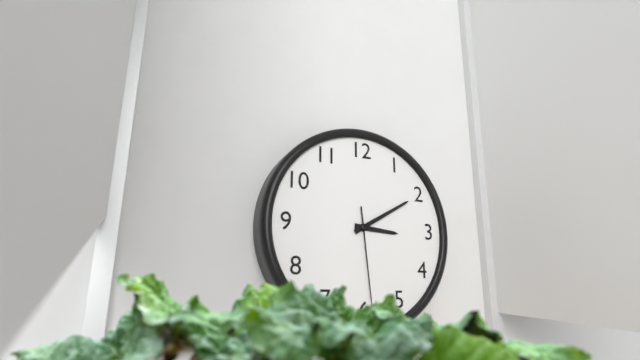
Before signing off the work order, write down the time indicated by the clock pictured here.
3:10:29
